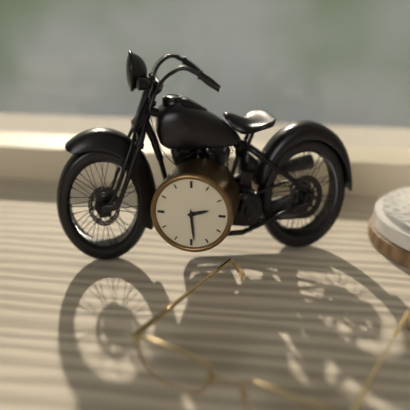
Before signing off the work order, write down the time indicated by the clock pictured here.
2:29
